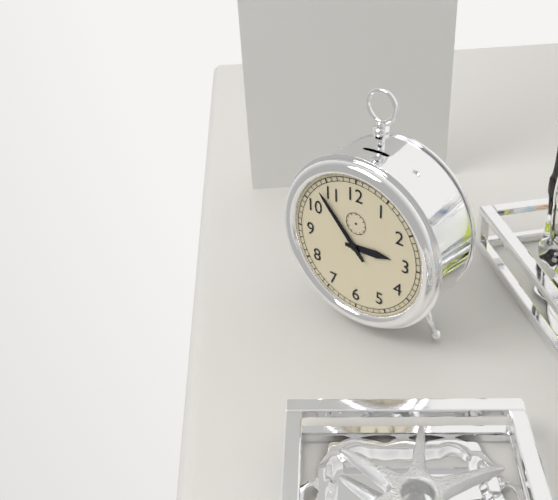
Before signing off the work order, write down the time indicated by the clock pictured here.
2:53
